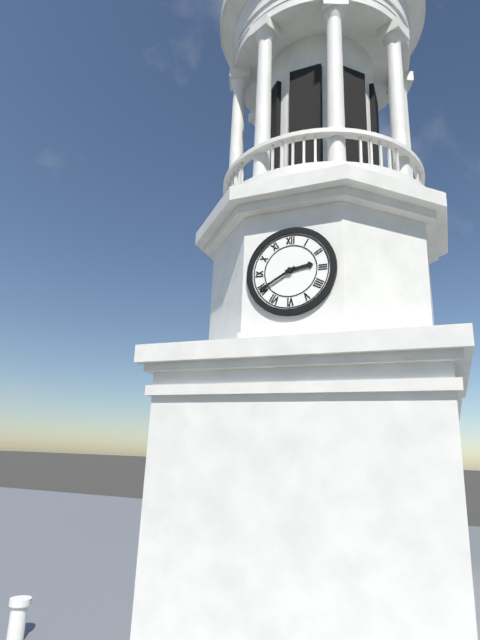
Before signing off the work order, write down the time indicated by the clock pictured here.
2:40
